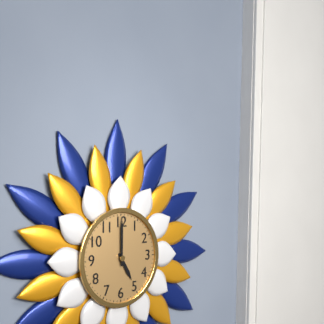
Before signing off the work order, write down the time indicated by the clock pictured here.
5:00
